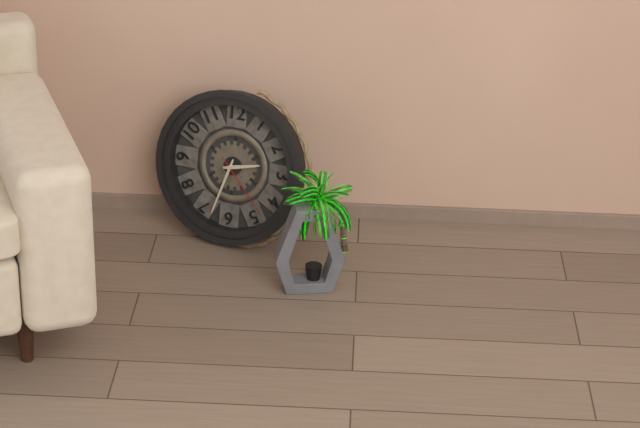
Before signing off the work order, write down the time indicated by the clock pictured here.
2:33:23
